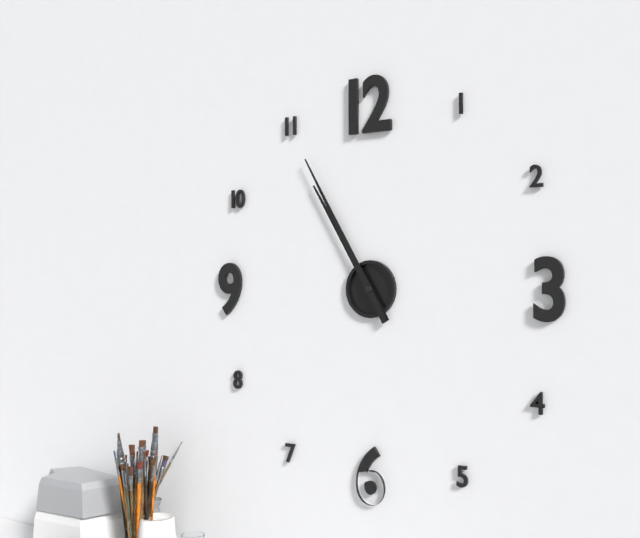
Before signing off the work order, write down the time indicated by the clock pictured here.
10:55
